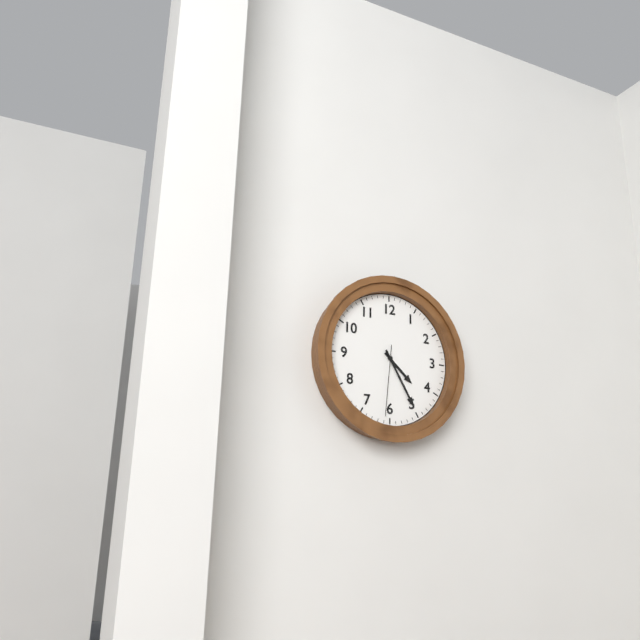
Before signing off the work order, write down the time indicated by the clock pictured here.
4:25:31
